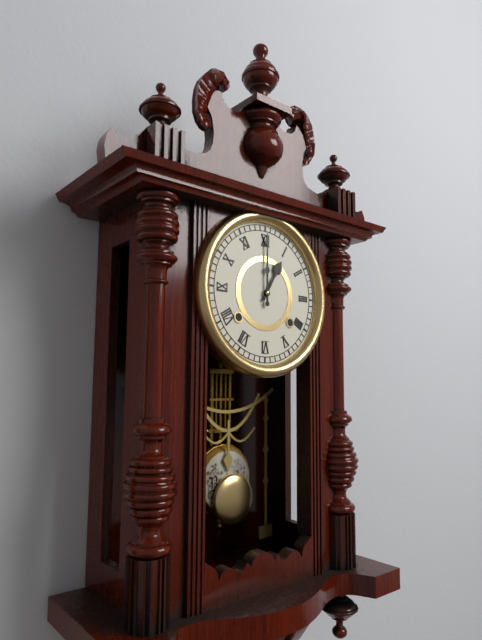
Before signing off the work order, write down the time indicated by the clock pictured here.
1:00
